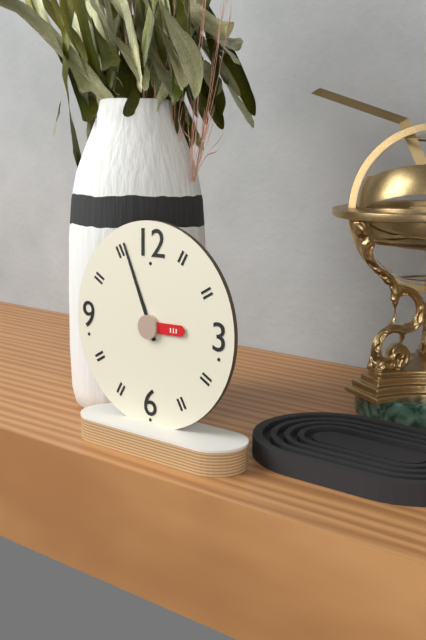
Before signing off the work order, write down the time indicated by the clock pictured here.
2:56
